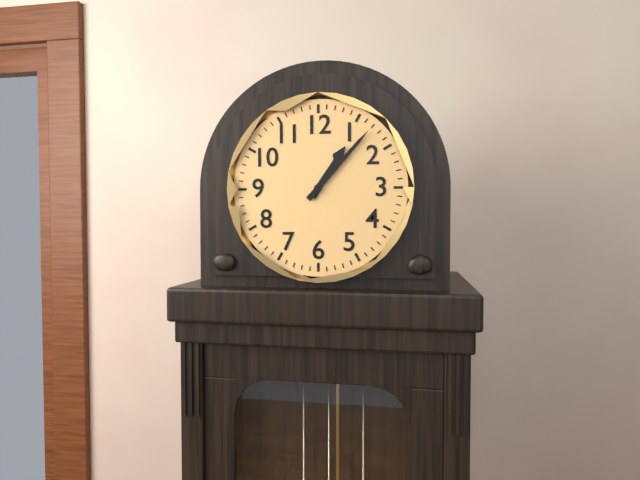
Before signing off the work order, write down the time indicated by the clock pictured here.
1:07
